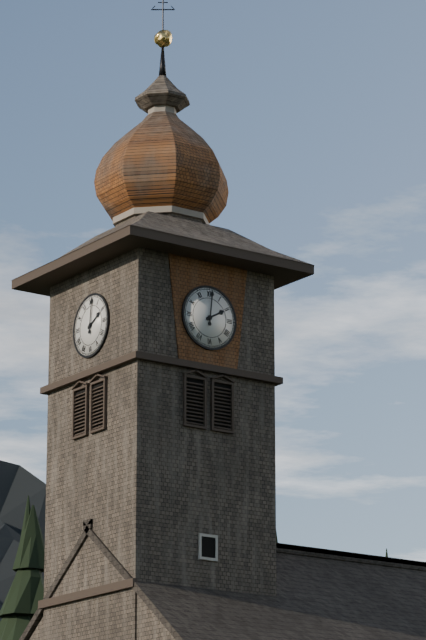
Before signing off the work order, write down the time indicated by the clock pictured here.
2:01
